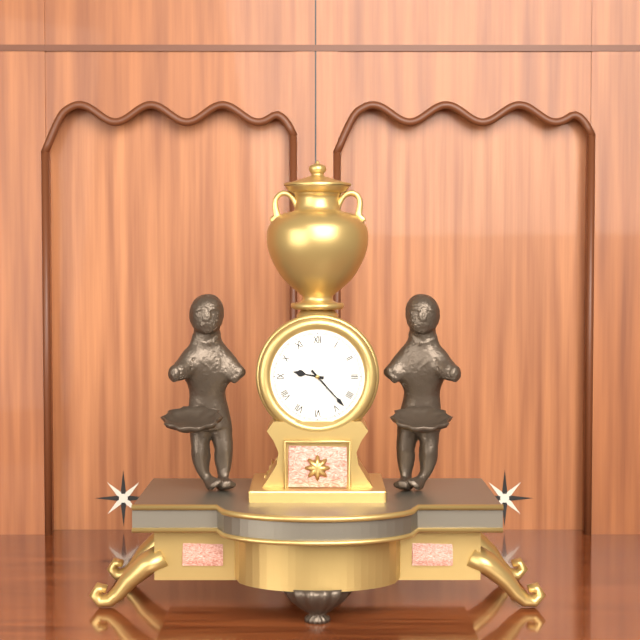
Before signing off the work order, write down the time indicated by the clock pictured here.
9:23
